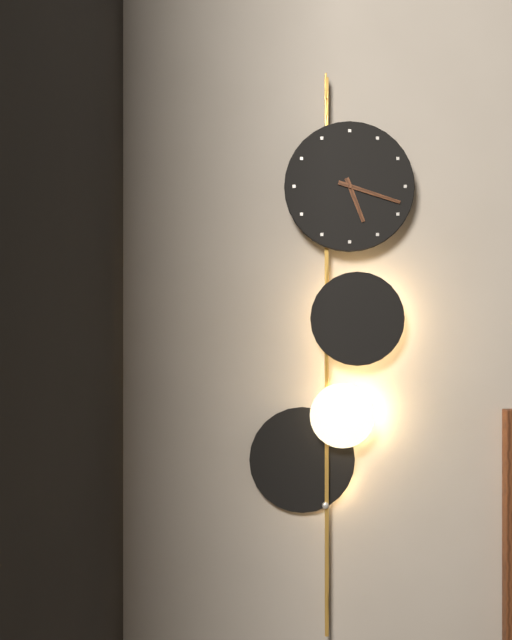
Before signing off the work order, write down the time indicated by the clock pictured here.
5:18
